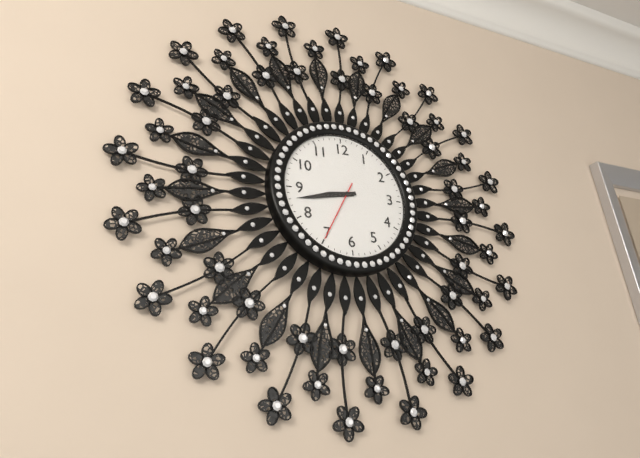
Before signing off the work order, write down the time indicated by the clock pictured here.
8:43:35
